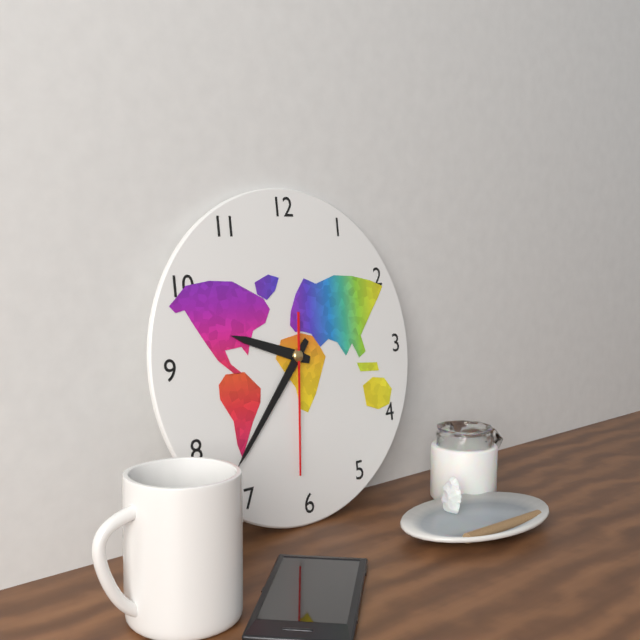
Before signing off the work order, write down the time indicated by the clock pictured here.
9:37:31
